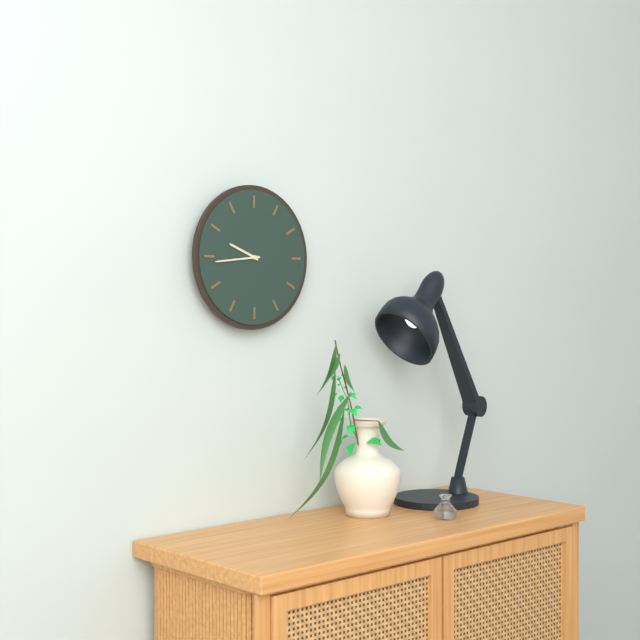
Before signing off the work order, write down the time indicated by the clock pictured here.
9:44
